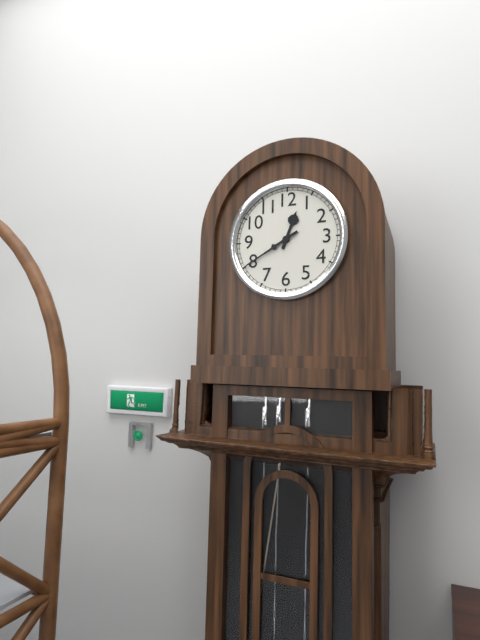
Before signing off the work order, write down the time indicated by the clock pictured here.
12:40
